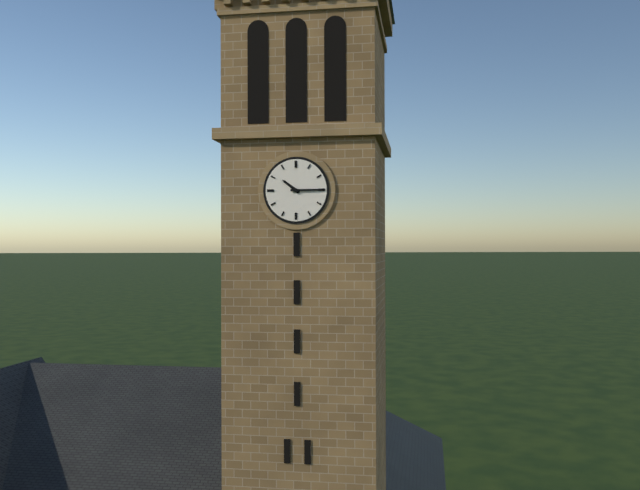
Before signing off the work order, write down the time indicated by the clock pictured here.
10:15
